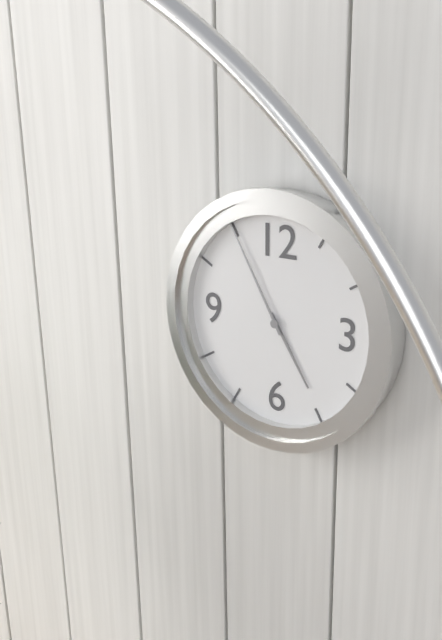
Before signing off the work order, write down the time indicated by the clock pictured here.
4:55
